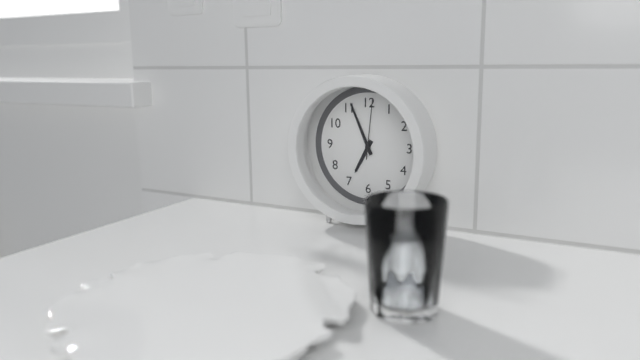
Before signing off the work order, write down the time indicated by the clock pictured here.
6:56:01
